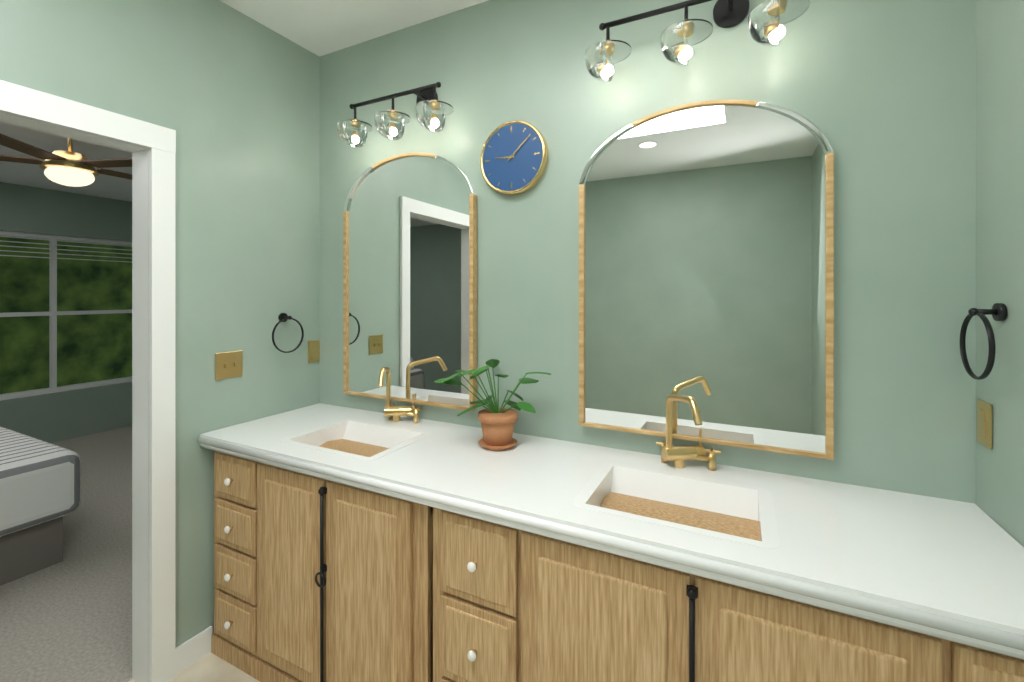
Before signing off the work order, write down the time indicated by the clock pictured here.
9:08
